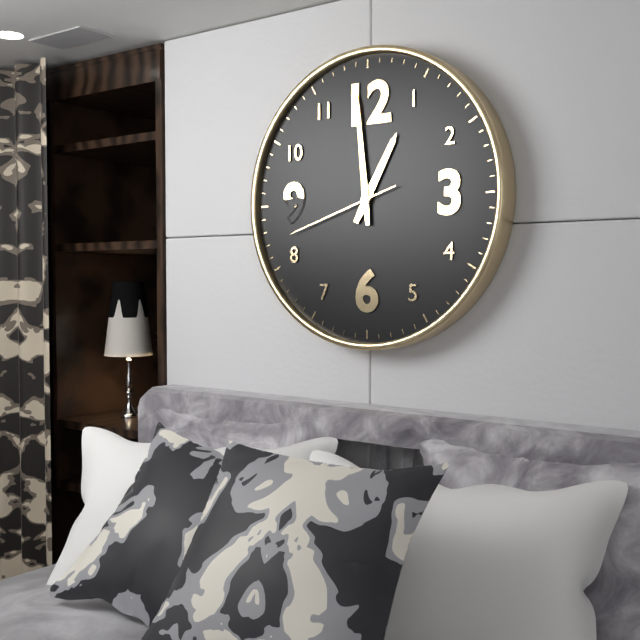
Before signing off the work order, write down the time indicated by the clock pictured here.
12:59:42
